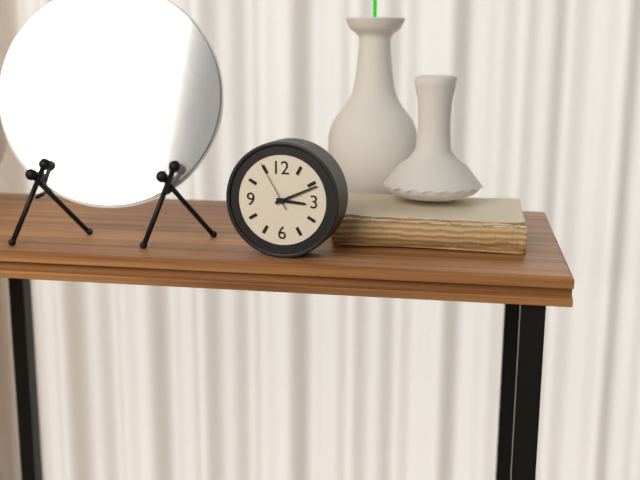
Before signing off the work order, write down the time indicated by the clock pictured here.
3:11:55
